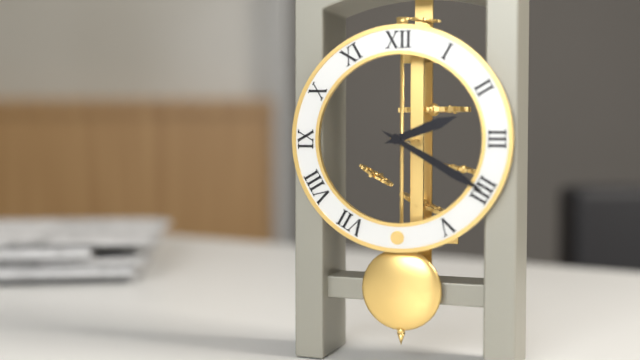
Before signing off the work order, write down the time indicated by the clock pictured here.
2:20
